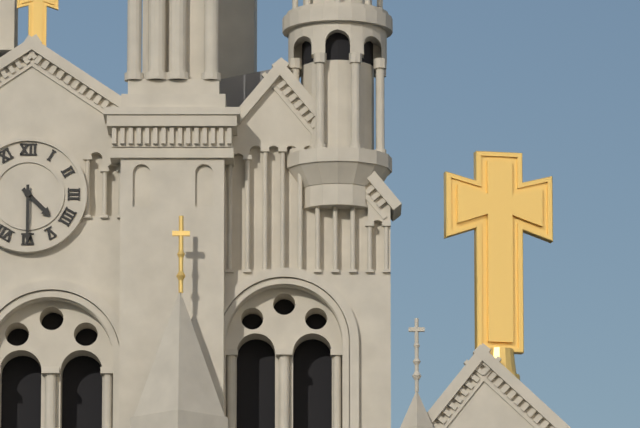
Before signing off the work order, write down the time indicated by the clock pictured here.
4:30
